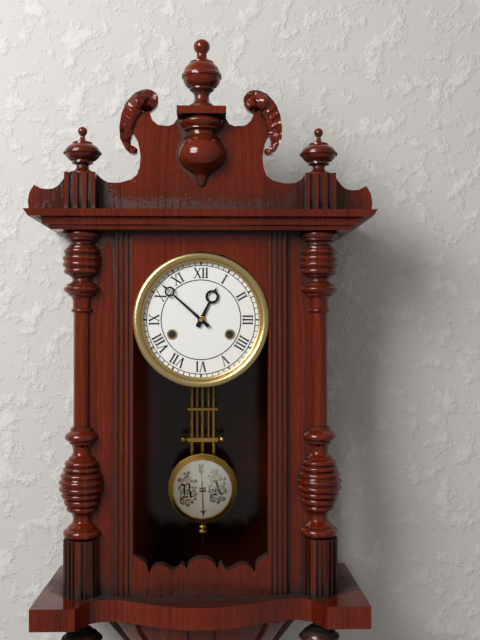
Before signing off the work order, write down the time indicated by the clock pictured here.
12:52
